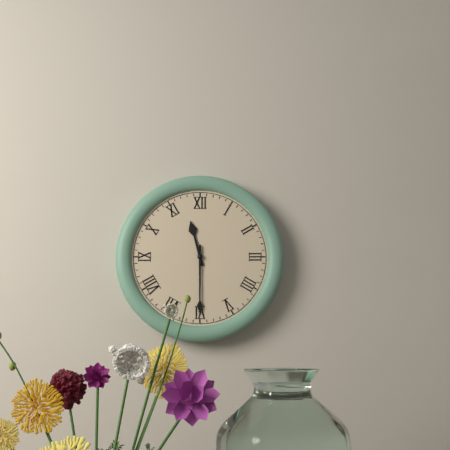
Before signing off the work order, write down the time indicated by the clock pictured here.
11:30
